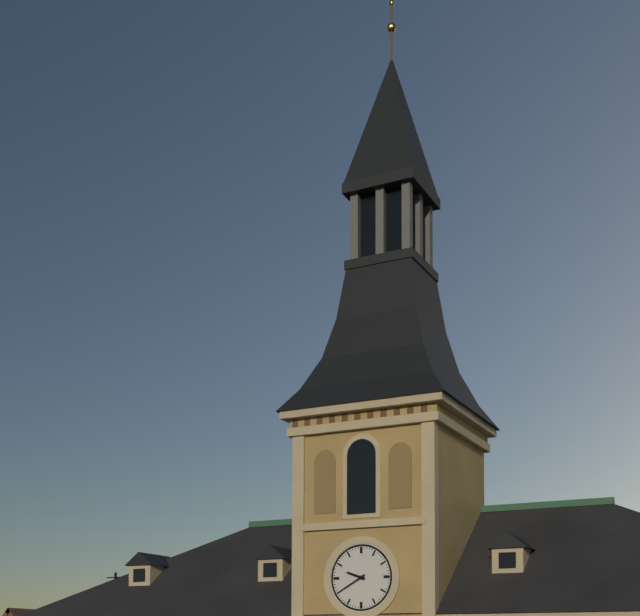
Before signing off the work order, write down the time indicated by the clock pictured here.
9:40
